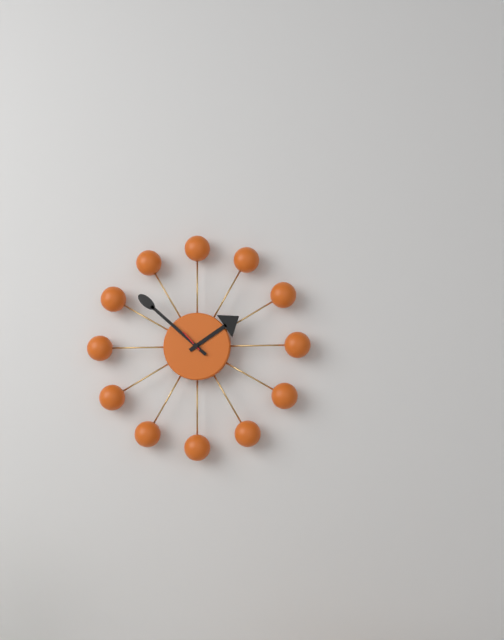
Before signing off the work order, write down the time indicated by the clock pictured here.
1:52
